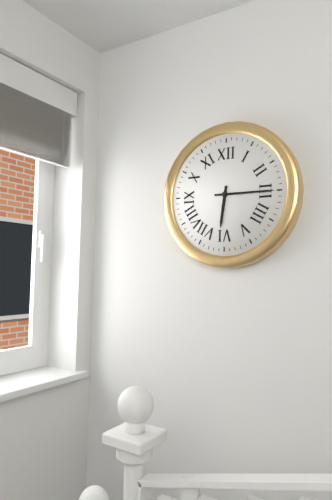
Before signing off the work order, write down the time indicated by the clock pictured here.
6:15
